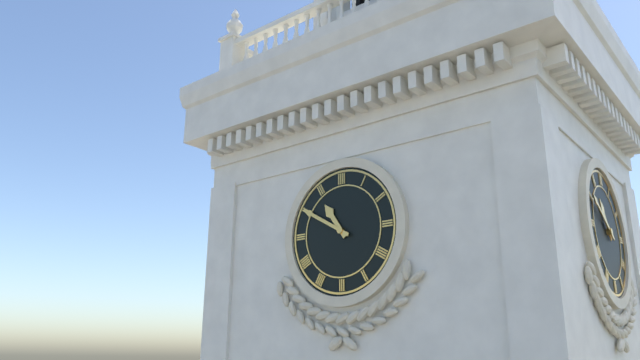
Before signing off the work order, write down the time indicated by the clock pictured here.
10:50
